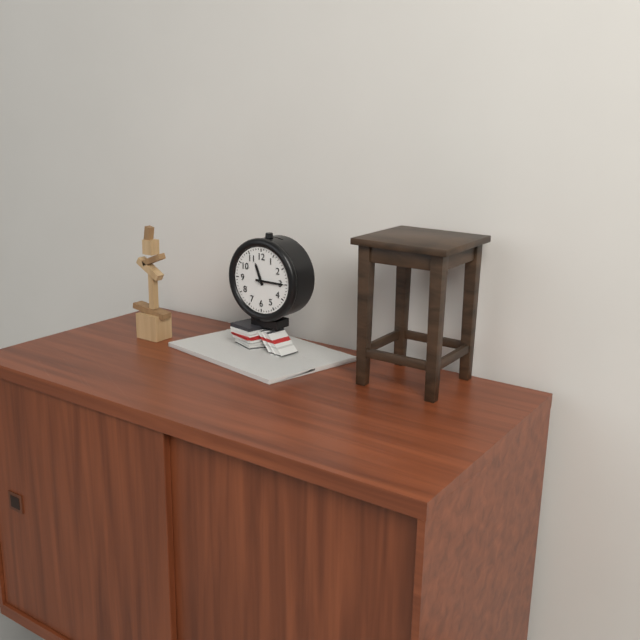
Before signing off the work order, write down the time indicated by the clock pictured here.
11:15
